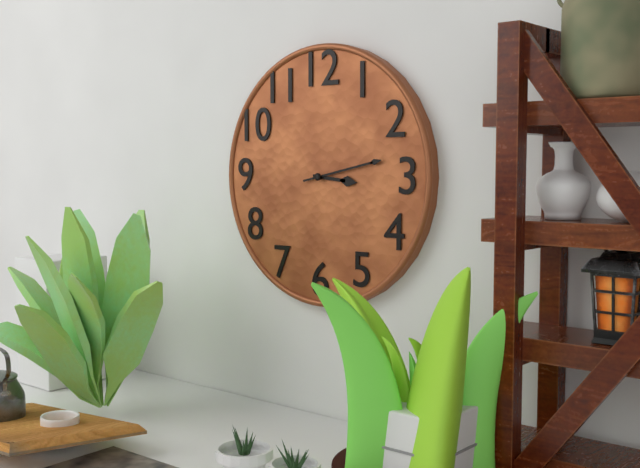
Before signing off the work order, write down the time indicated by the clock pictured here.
3:13
